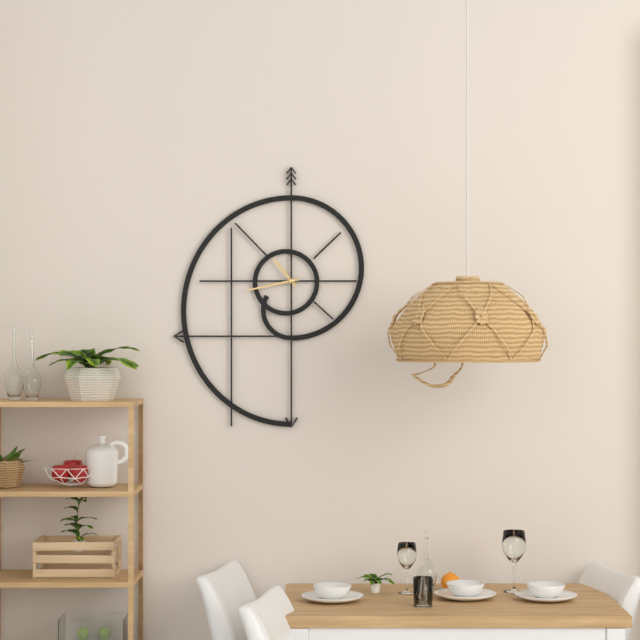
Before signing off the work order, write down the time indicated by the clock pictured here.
10:43
